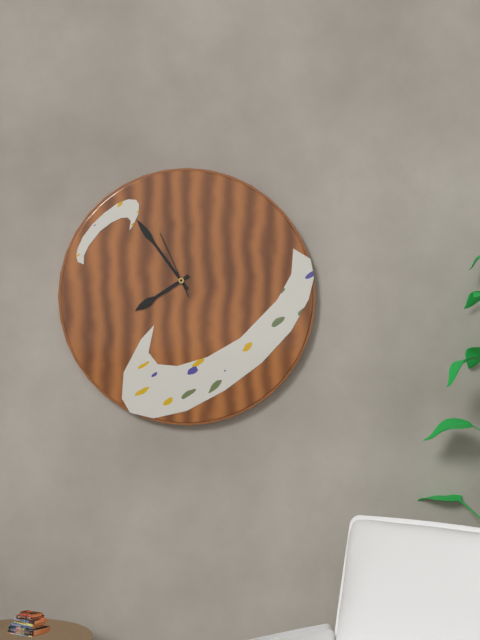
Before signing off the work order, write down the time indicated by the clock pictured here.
7:54:56
